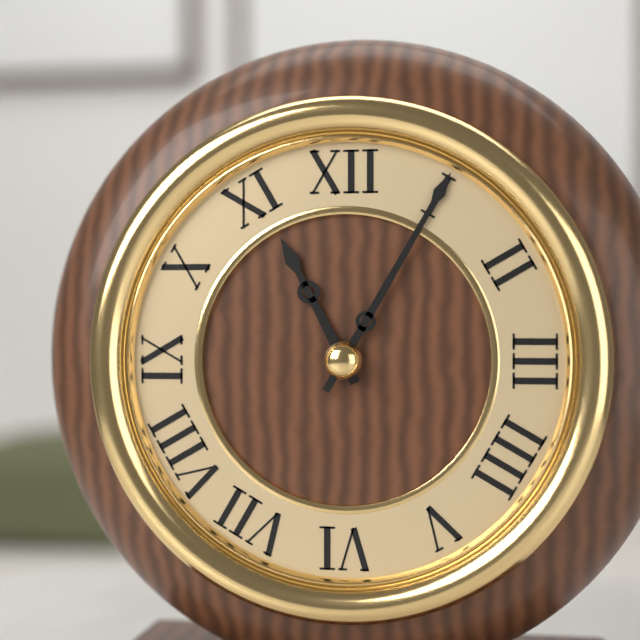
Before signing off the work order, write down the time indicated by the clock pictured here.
11:05
